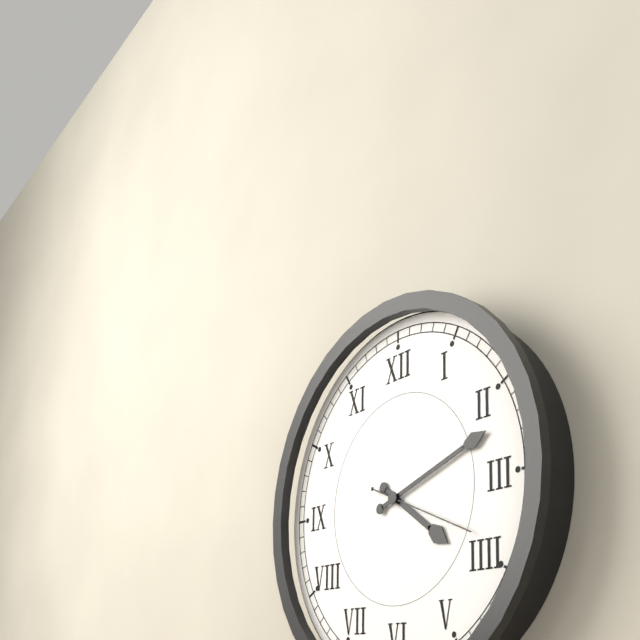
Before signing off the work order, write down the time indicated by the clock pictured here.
4:12:19
